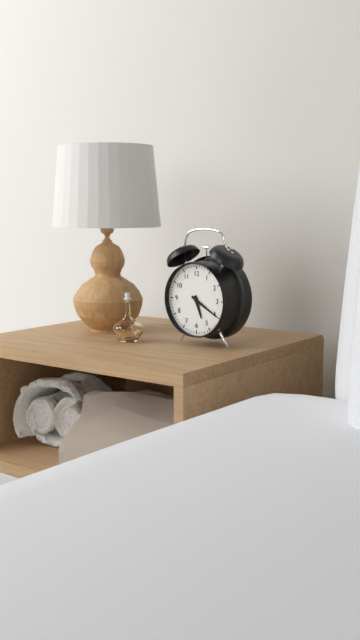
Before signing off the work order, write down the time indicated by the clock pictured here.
5:20
